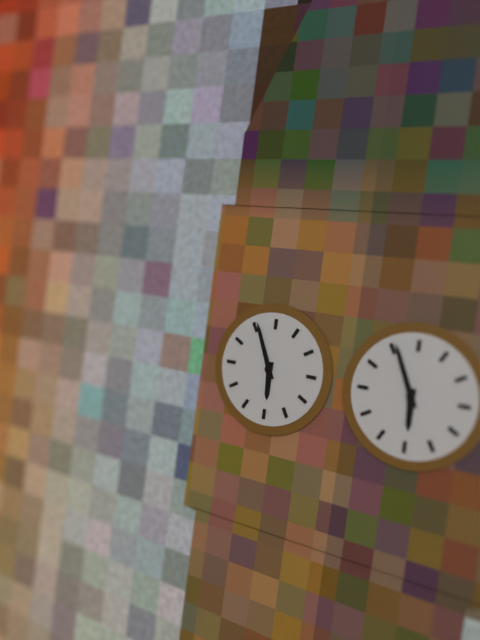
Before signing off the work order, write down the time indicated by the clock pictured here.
5:56
